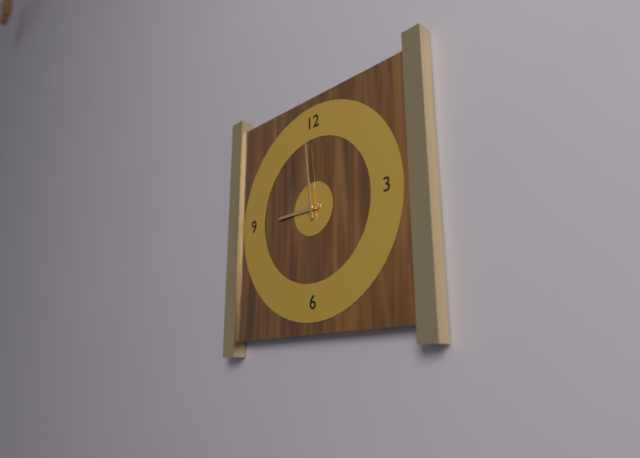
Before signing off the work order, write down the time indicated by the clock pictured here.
8:59
